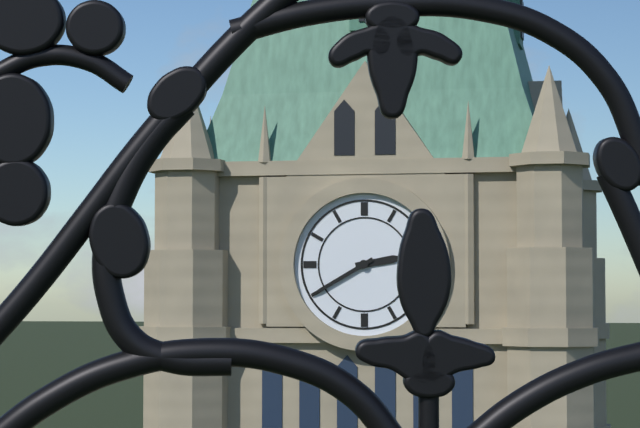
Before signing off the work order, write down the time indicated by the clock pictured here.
2:40
